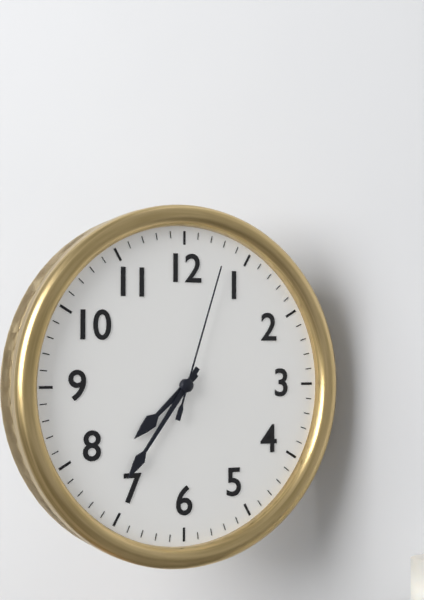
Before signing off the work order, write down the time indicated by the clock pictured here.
7:36:03
